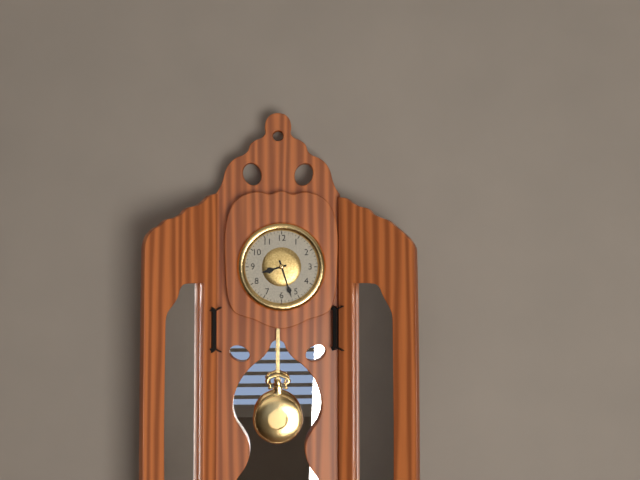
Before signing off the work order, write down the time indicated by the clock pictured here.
8:27
